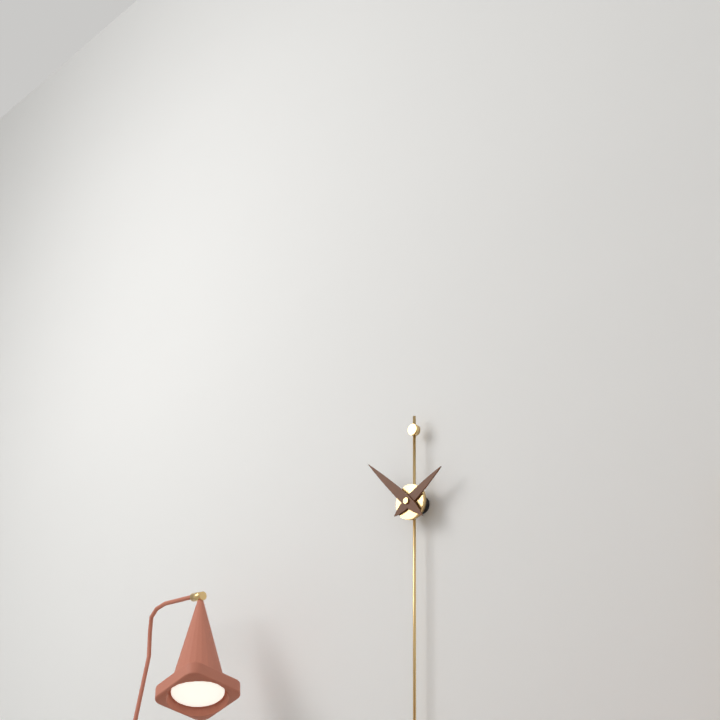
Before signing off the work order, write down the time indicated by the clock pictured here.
1:52
